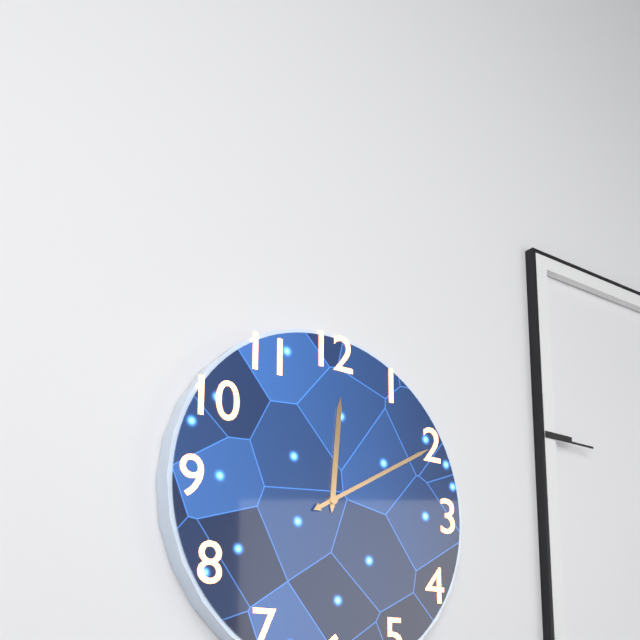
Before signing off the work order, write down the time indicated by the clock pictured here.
12:10
